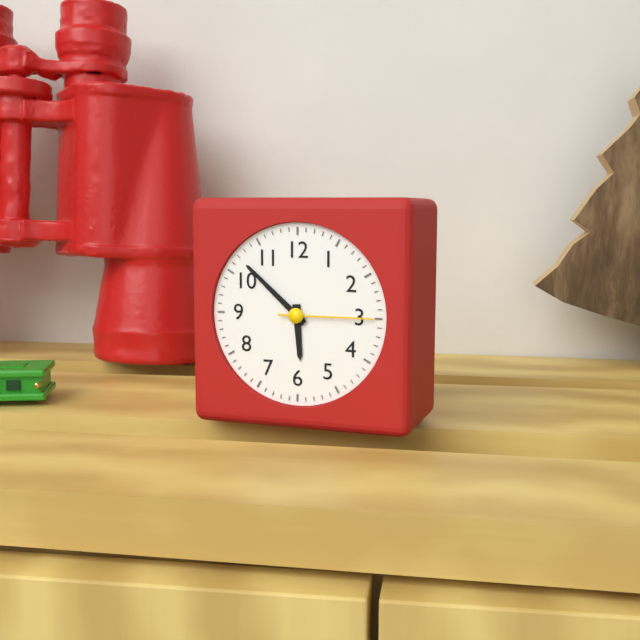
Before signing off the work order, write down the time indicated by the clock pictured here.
5:52:15
